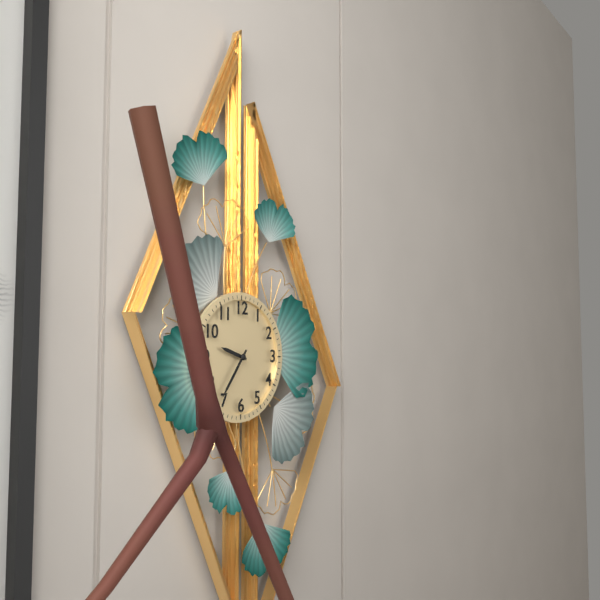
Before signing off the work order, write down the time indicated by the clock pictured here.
9:36
